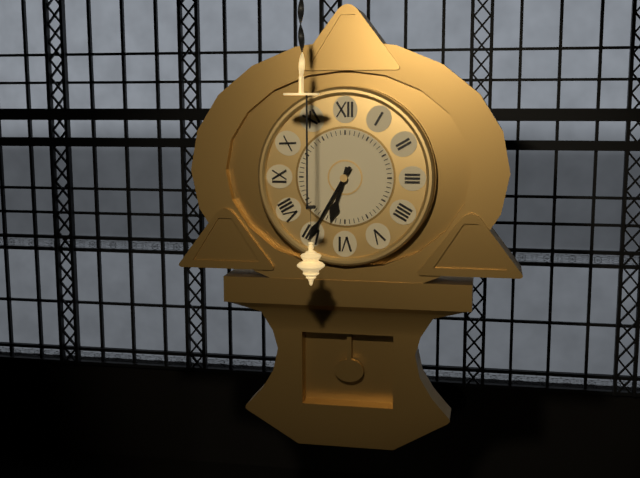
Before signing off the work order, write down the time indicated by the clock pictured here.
6:35
